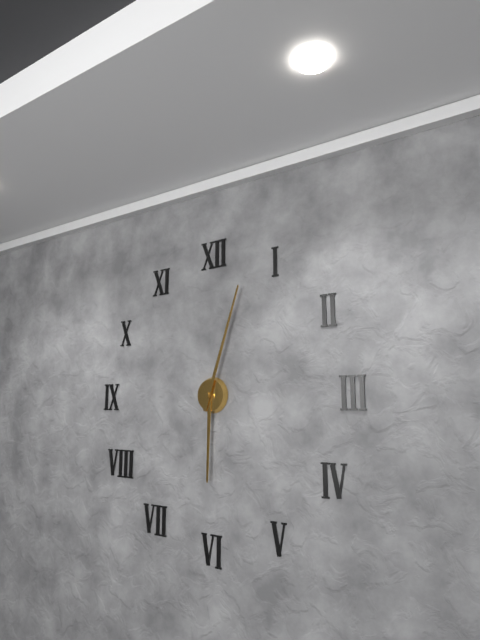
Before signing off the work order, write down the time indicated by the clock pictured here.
6:03
